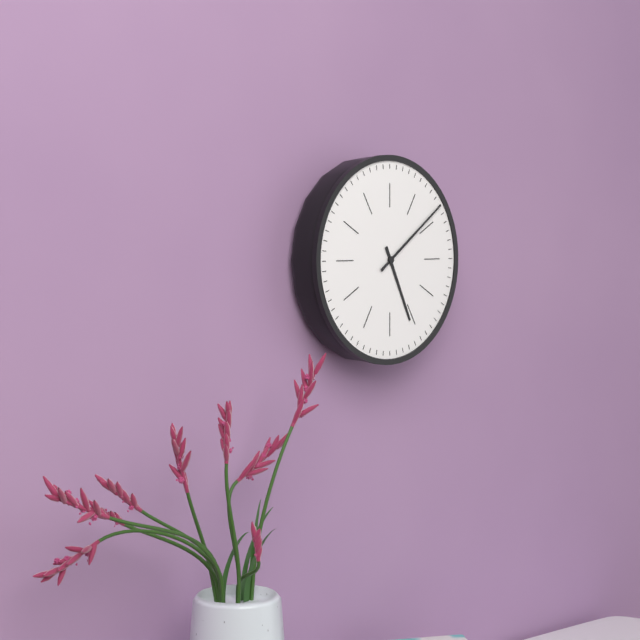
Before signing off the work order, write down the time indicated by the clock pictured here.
5:09
